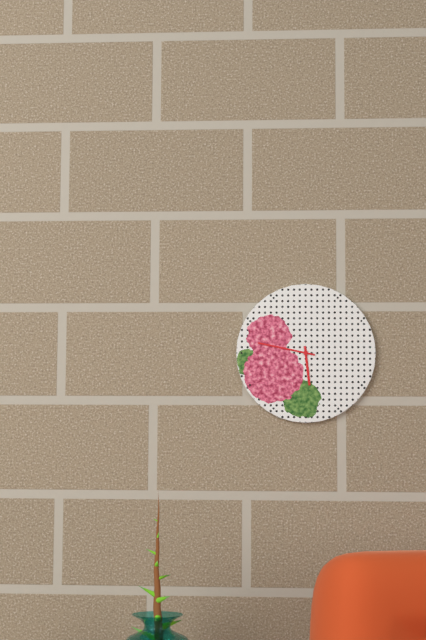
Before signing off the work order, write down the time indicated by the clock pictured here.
5:47
